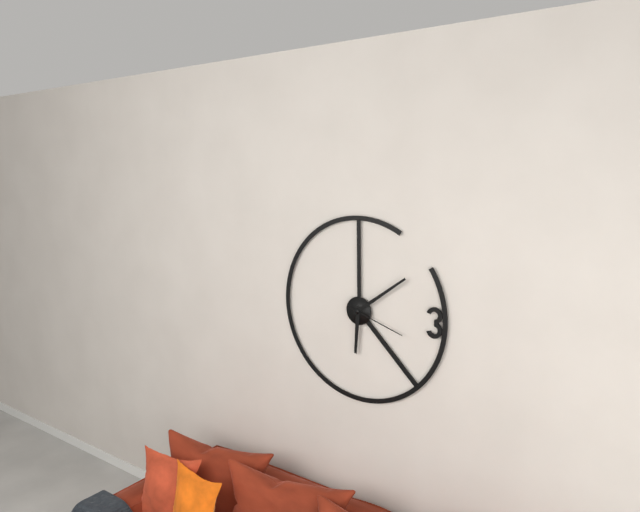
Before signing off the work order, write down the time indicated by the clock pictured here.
6:09:18
